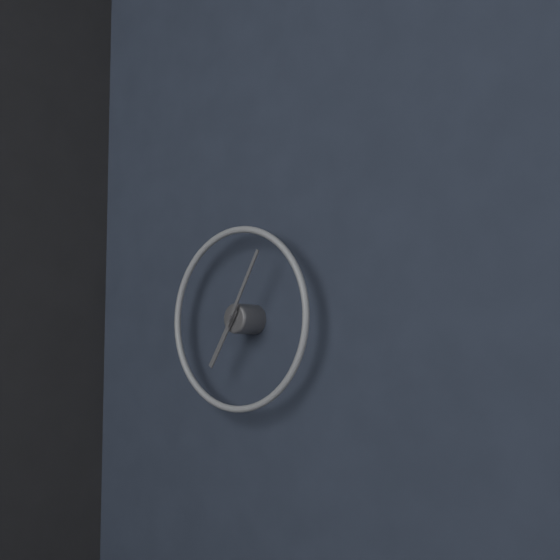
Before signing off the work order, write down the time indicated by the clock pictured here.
7:05
